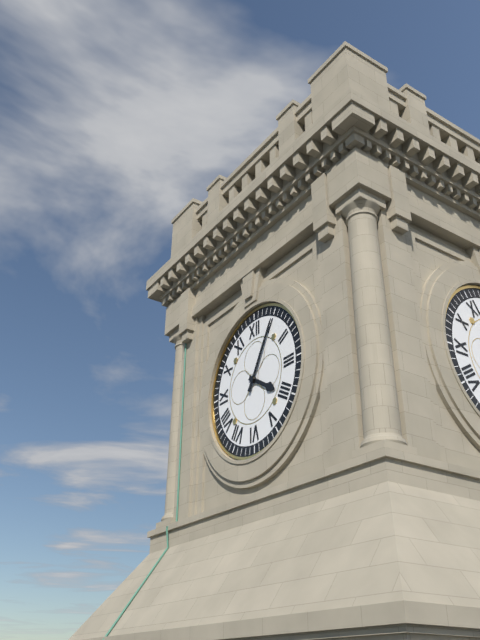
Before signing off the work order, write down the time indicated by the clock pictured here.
4:05
